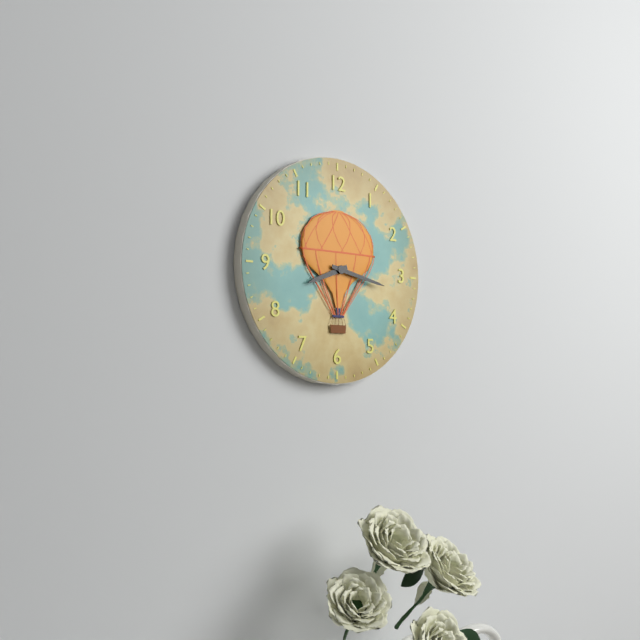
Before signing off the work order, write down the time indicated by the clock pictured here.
8:17
